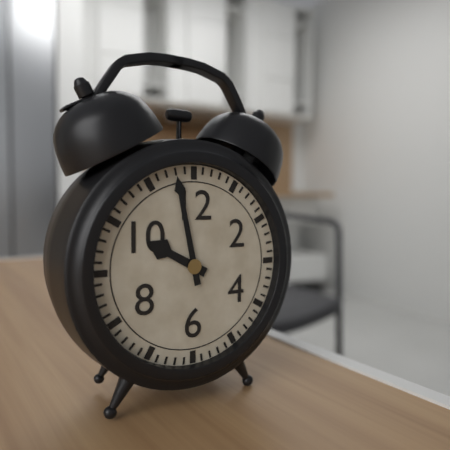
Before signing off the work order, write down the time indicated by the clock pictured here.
9:58
